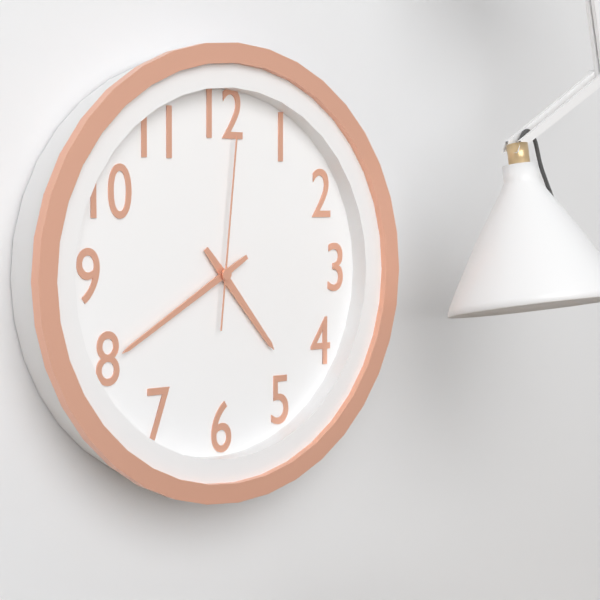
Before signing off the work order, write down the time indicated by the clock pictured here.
4:40:01
